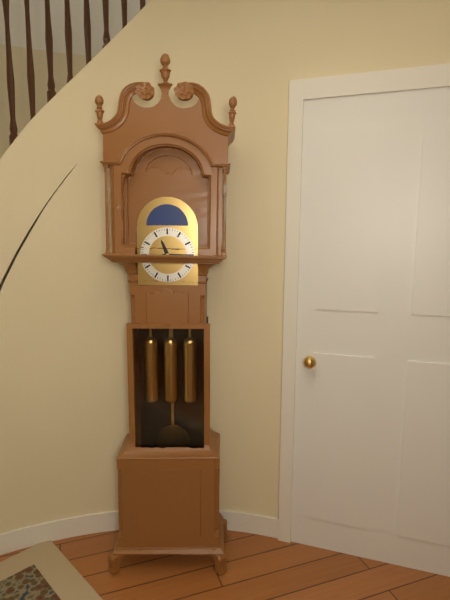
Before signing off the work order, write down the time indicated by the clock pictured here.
11:15
